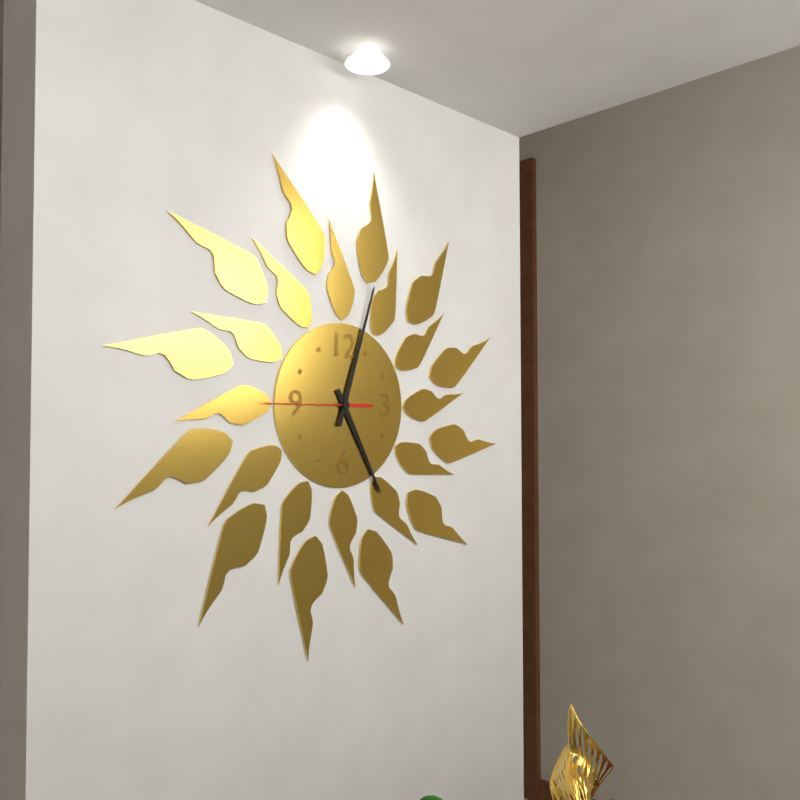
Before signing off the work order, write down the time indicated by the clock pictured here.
5:03:45
